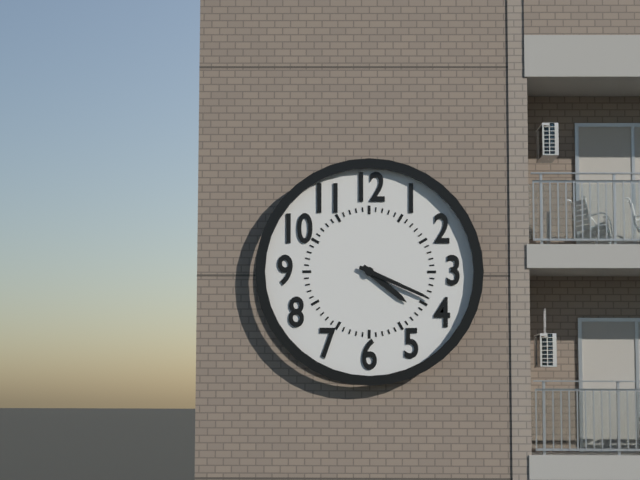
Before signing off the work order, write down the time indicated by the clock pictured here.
4:19
